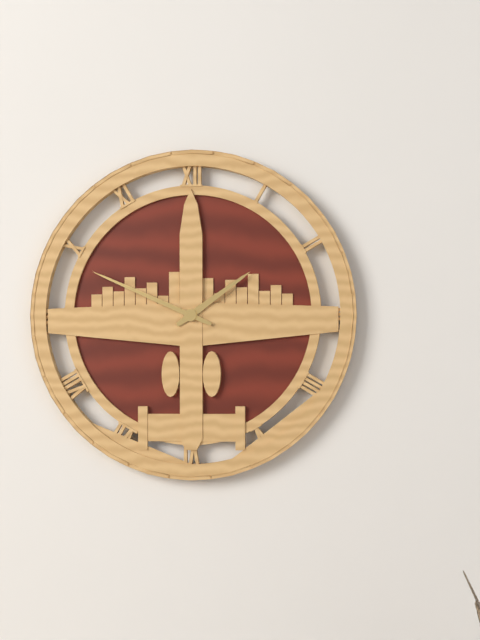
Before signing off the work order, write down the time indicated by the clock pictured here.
1:49
